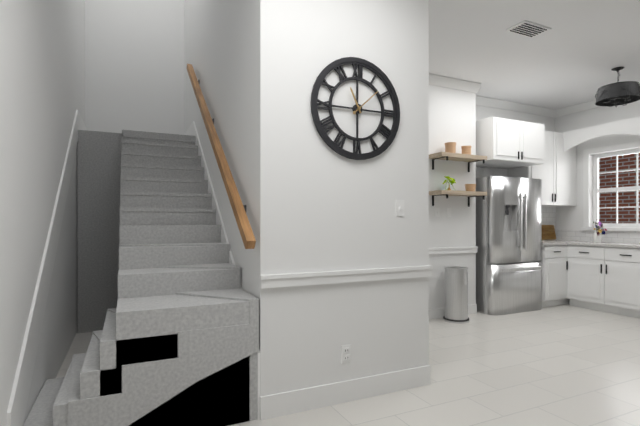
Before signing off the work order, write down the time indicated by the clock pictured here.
11:08
